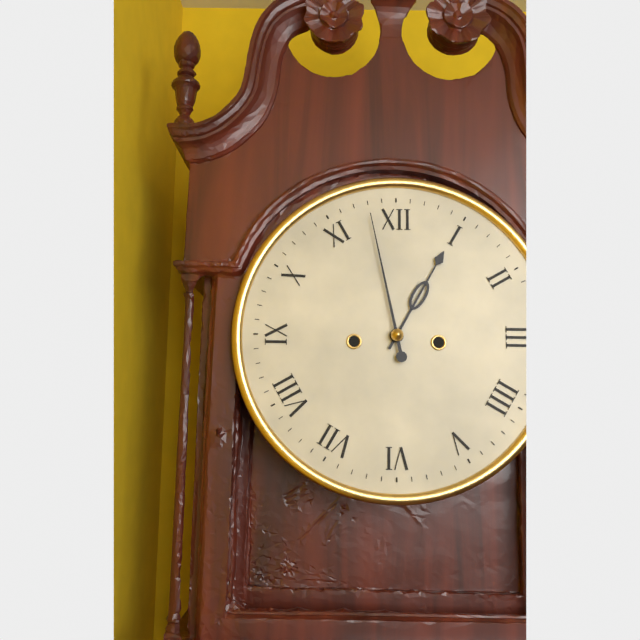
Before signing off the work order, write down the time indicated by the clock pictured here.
12:58
